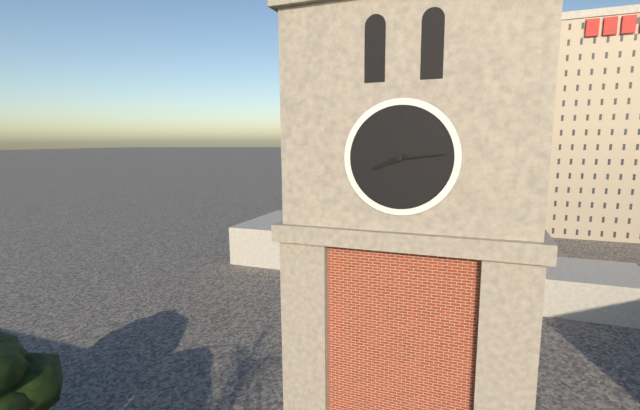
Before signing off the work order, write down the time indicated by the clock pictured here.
8:14
